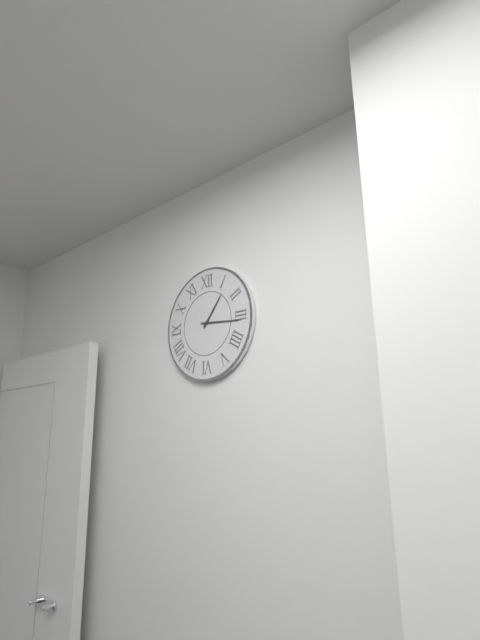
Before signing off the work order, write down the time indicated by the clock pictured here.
1:16
